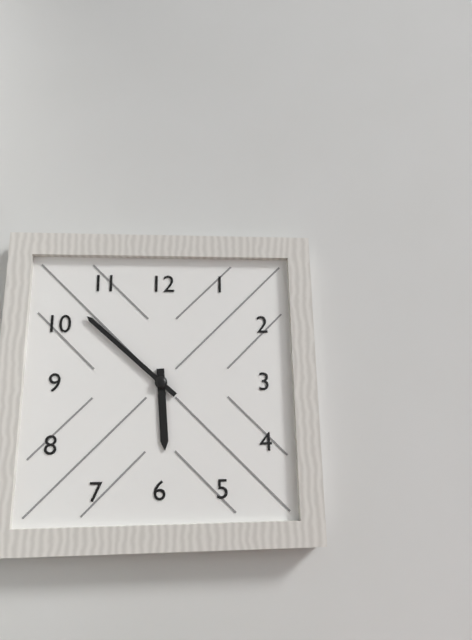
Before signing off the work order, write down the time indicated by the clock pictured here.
5:52
